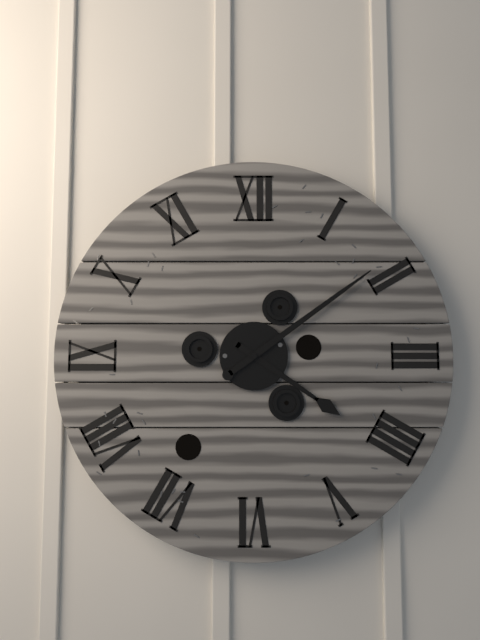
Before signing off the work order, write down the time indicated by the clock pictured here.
4:09
